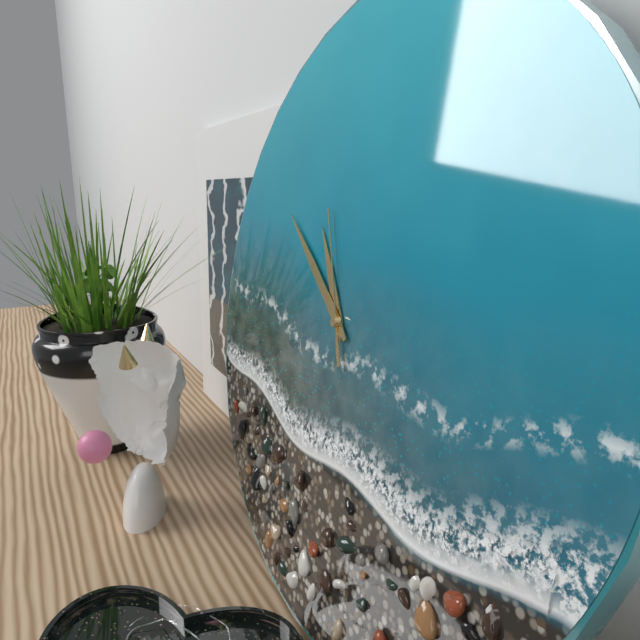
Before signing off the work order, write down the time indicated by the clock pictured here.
10:51:56
